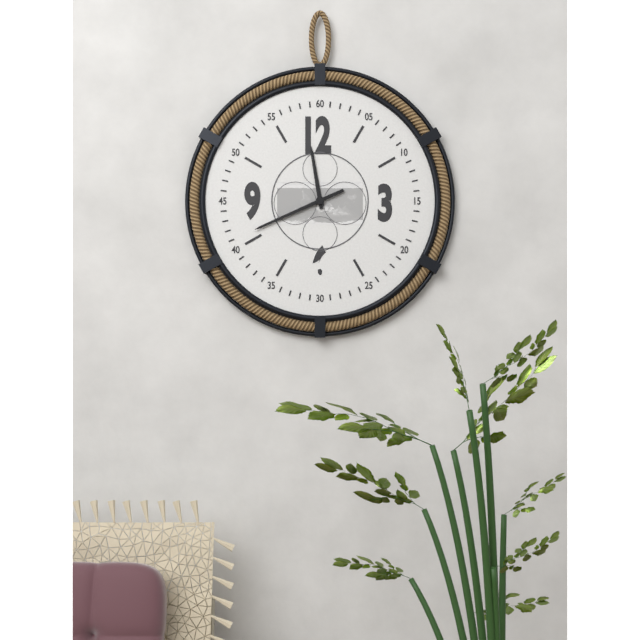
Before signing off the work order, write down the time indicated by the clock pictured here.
11:41
